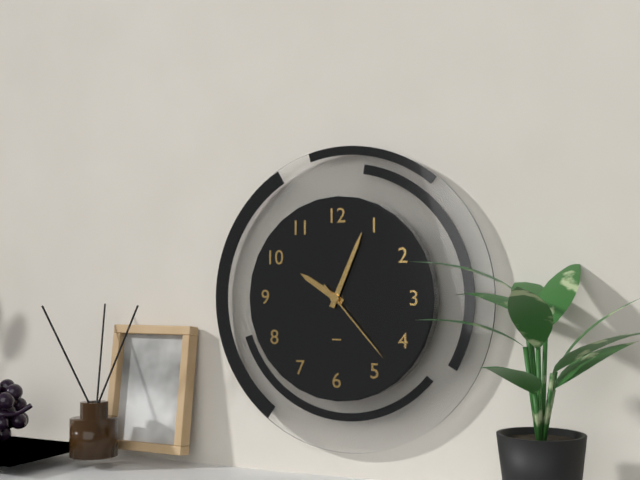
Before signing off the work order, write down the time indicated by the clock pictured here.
10:04:23
